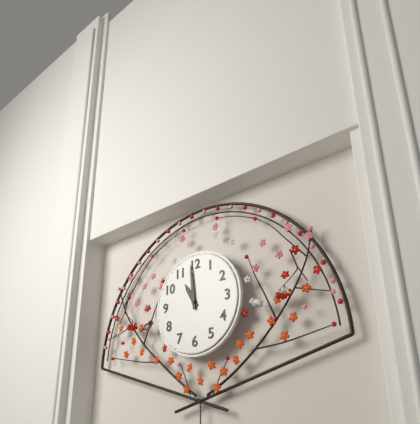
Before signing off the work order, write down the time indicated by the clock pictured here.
10:59
